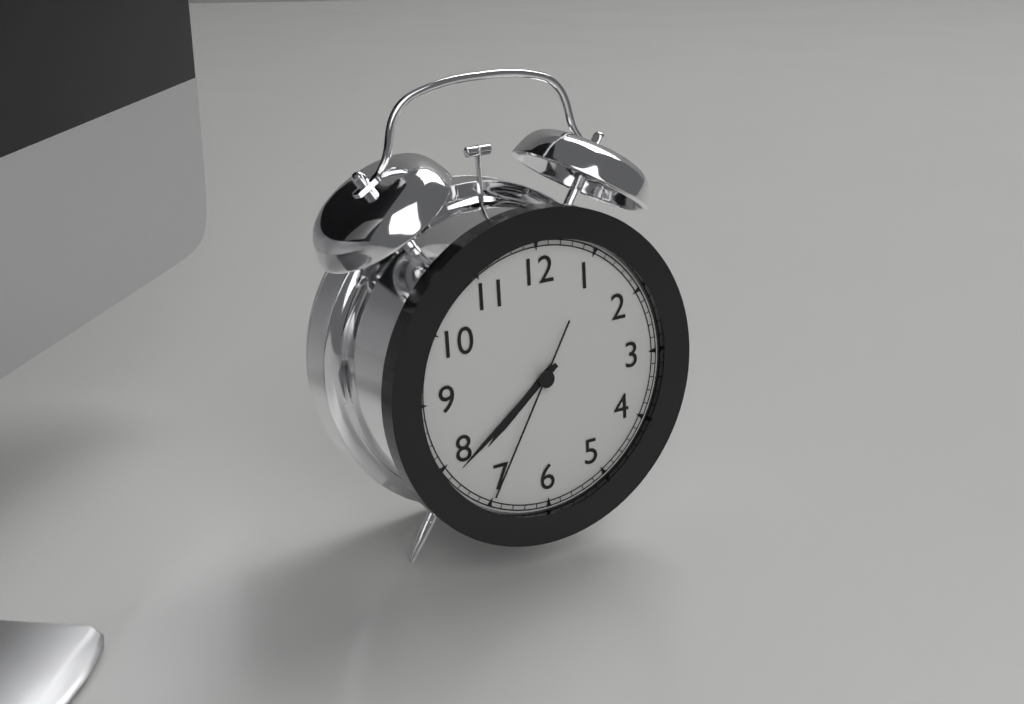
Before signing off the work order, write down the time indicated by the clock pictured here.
7:39:35
